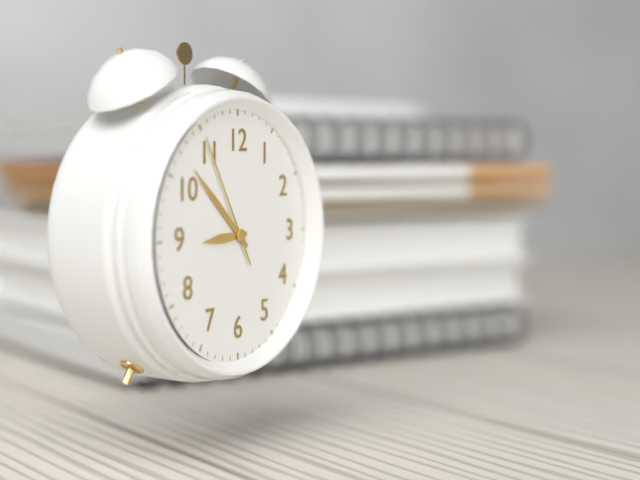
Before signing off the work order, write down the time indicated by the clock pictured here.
8:52:55
